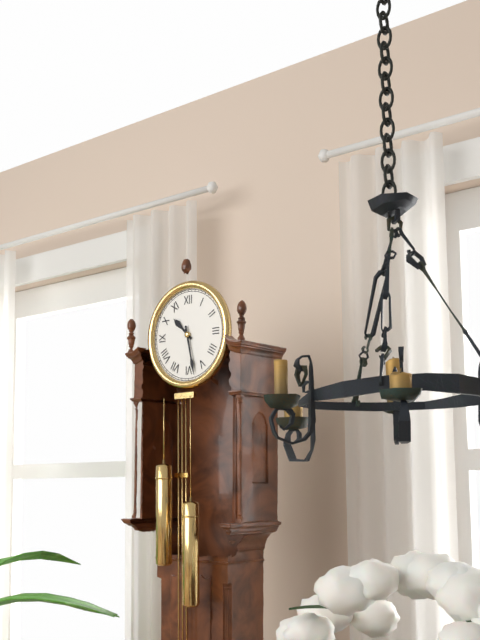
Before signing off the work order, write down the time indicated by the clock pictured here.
10:28
